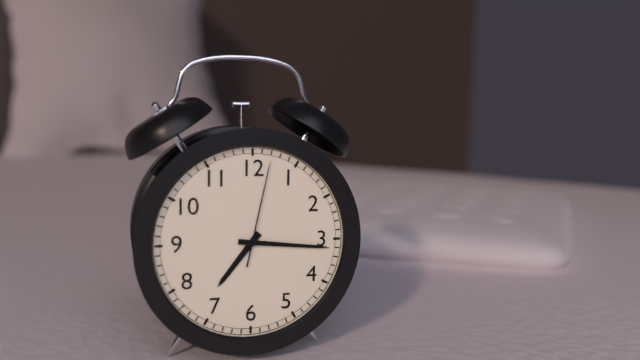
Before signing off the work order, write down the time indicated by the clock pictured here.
7:16:02
